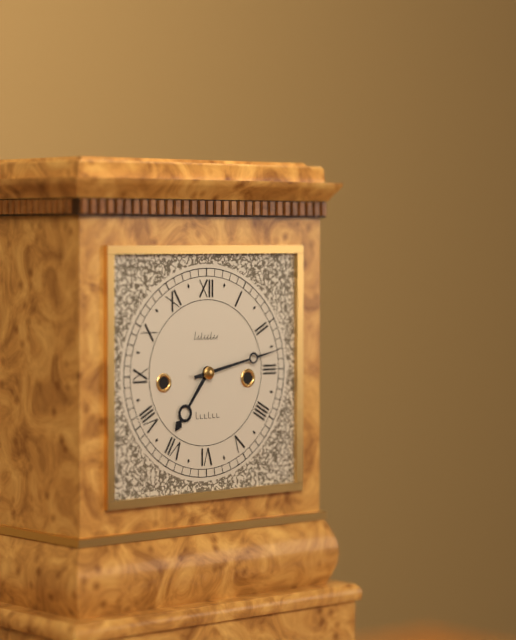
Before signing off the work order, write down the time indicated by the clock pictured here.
7:13
